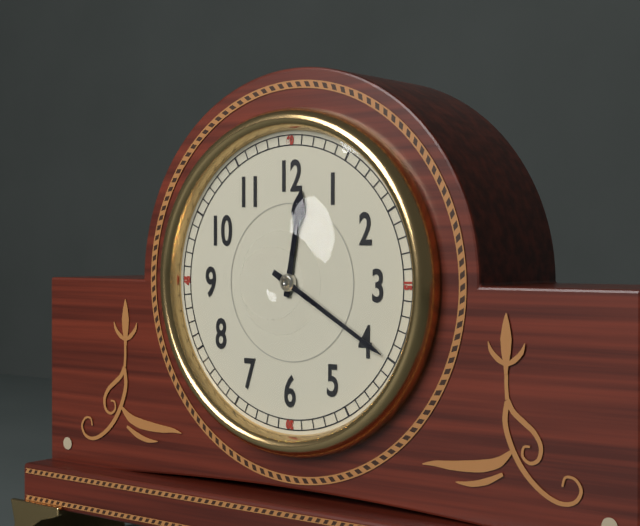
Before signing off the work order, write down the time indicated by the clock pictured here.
12:20
